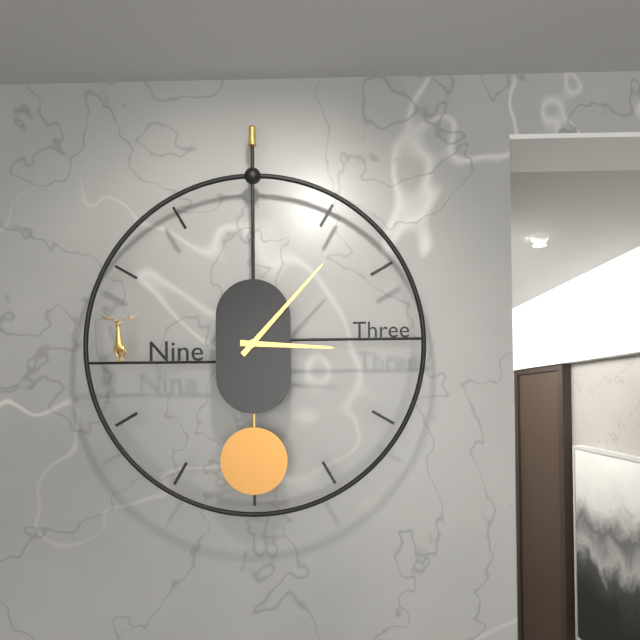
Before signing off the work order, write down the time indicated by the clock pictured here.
3:07
